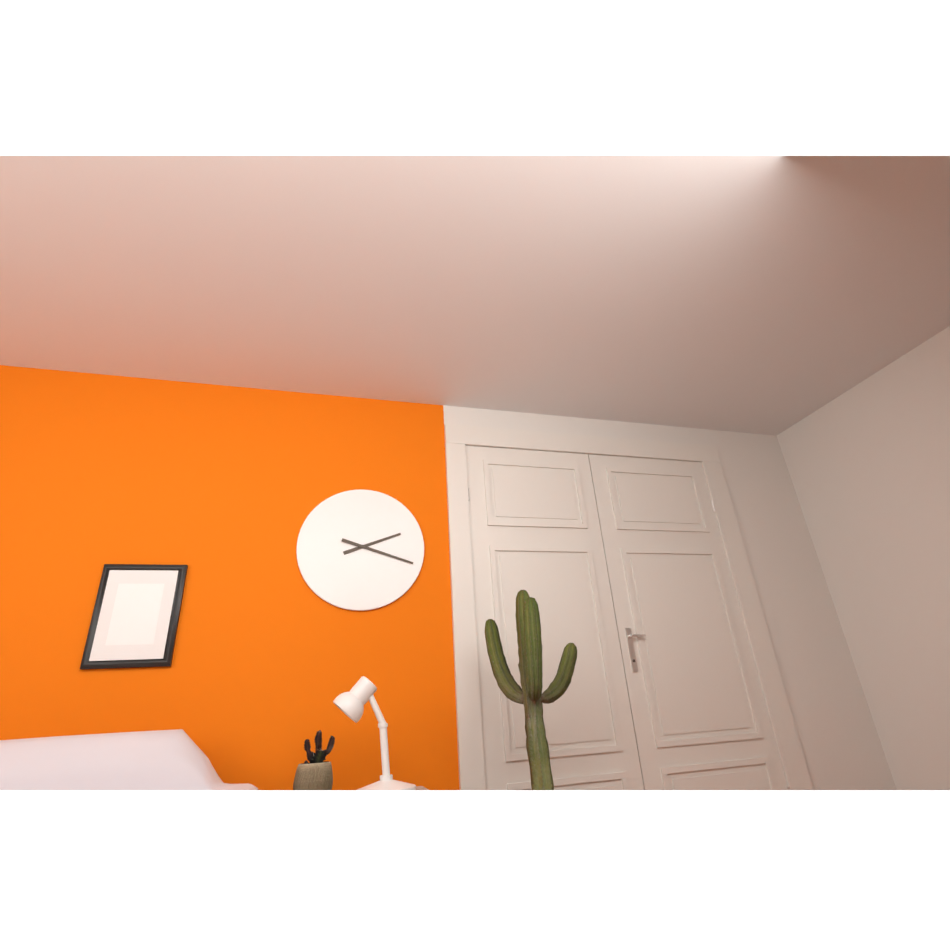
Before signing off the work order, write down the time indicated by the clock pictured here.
2:18
